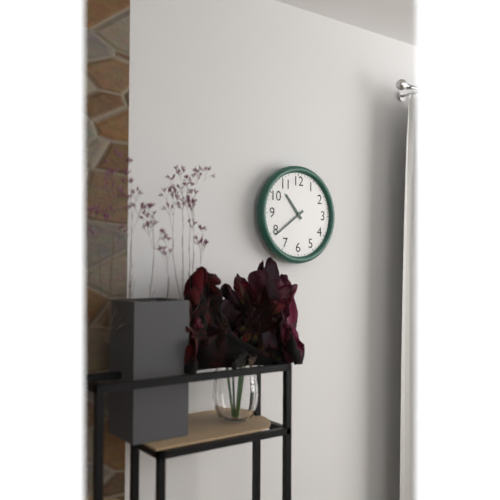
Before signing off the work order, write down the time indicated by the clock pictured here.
10:39
